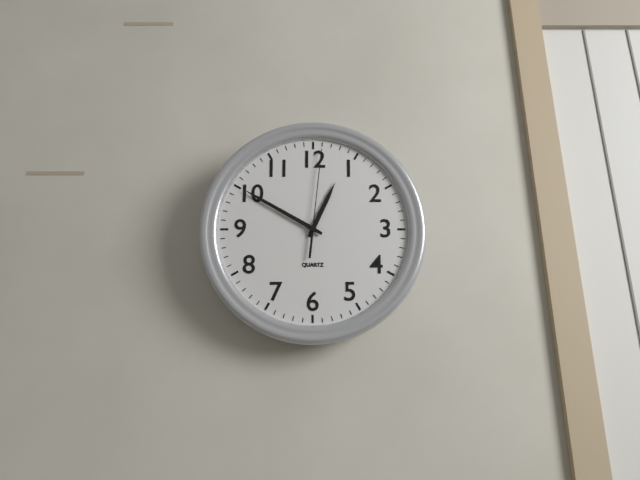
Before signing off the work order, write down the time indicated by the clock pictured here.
12:50:01
